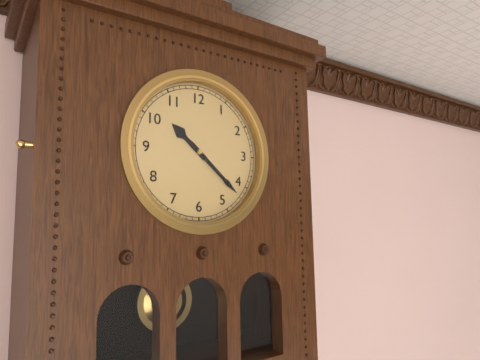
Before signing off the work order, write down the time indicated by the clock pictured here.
10:22
